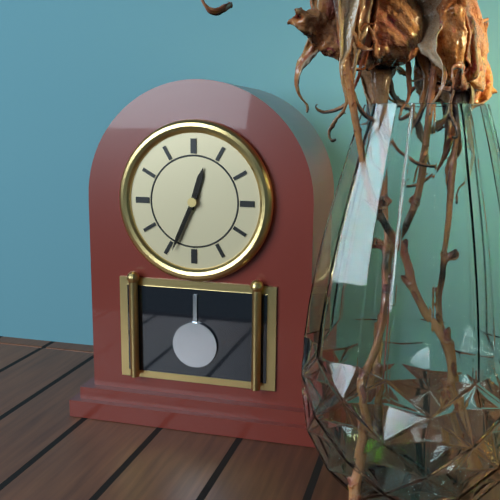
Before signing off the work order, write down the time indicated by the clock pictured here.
12:34
